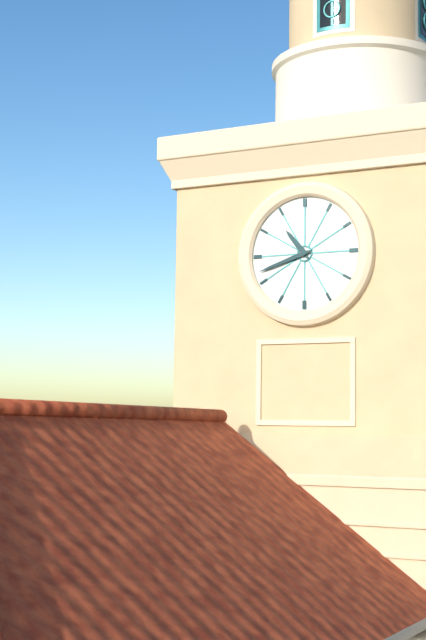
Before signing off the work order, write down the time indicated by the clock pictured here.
10:42
